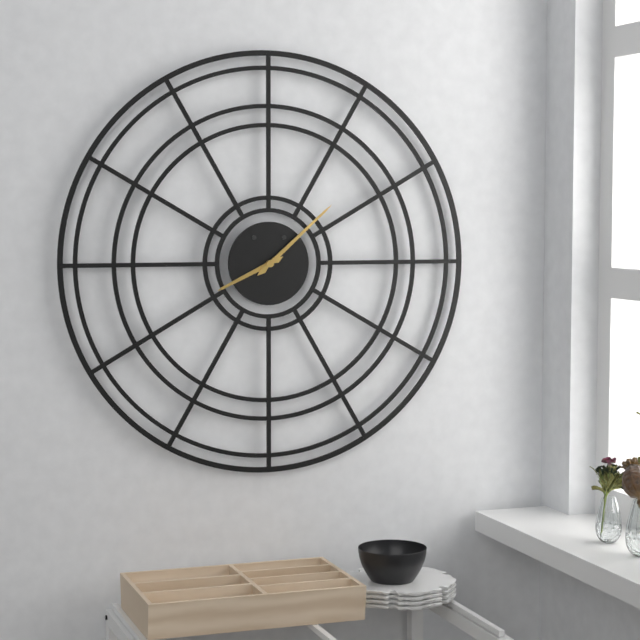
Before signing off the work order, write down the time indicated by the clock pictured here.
8:08
